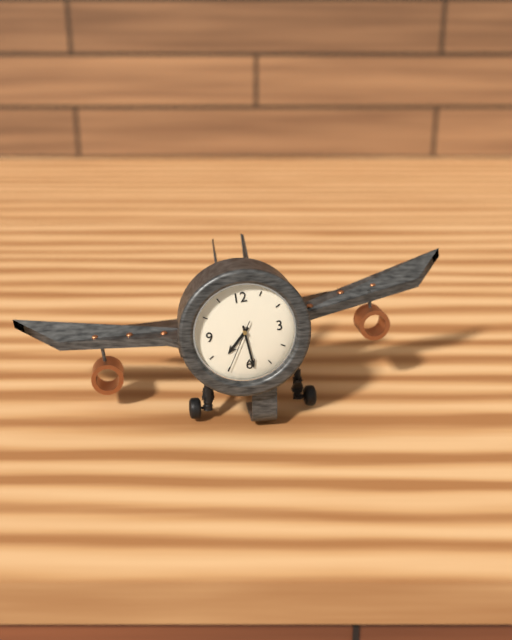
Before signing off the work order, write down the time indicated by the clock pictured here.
7:29:35
